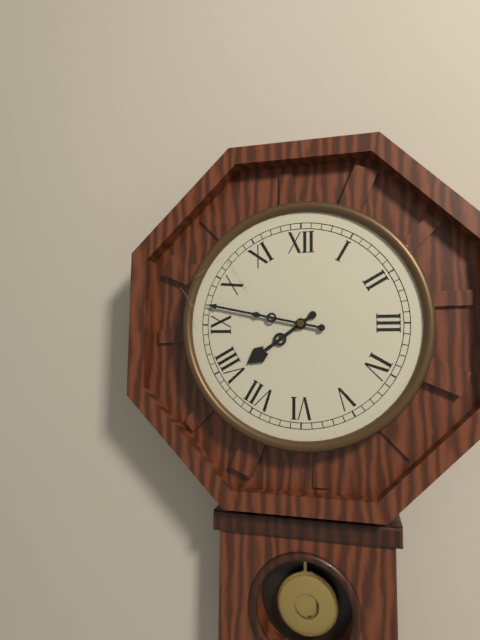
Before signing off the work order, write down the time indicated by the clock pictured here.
7:47
